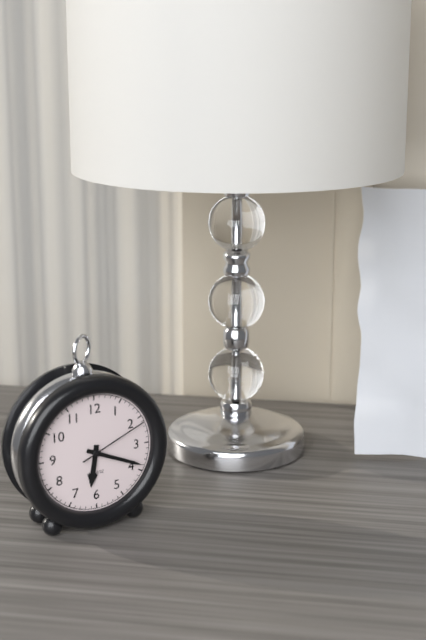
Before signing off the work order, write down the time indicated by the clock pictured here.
6:19:11
